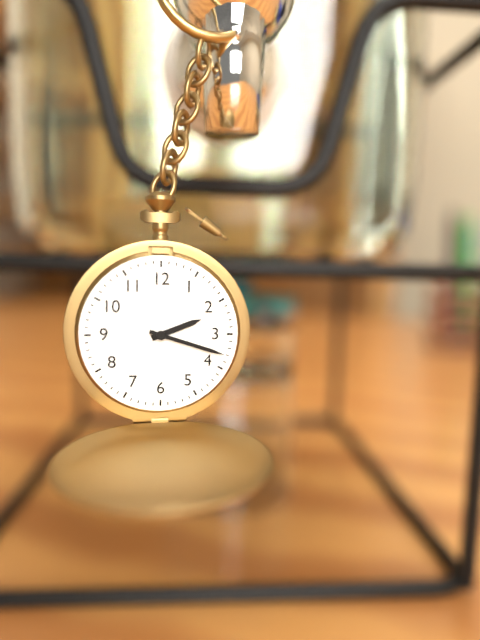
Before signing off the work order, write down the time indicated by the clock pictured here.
2:18
